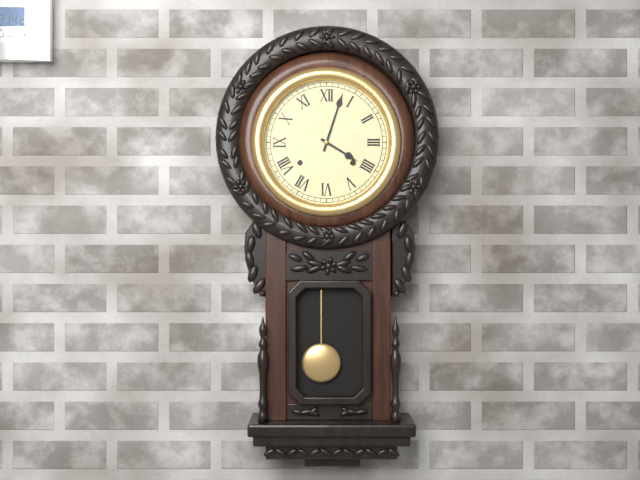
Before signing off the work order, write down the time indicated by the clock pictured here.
4:03
